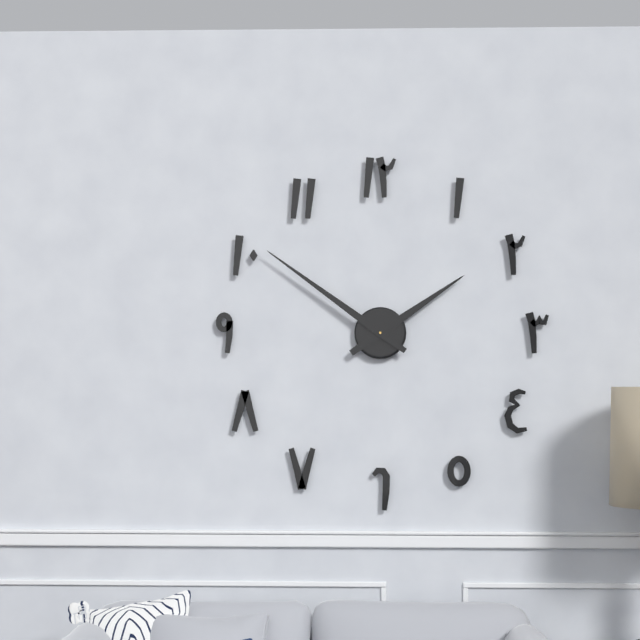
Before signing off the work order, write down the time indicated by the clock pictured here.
1:51
